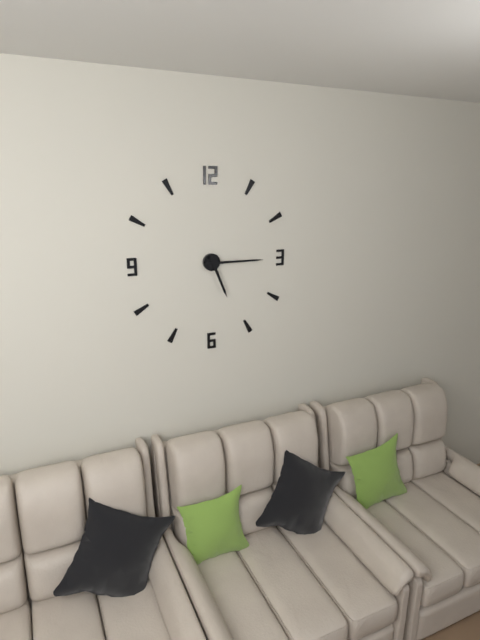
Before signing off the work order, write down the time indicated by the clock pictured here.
5:15
